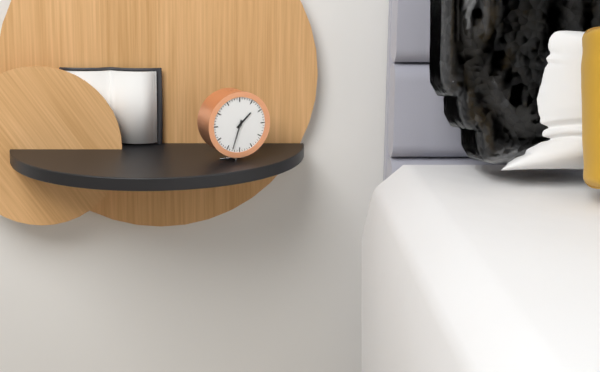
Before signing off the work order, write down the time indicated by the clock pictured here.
1:33
